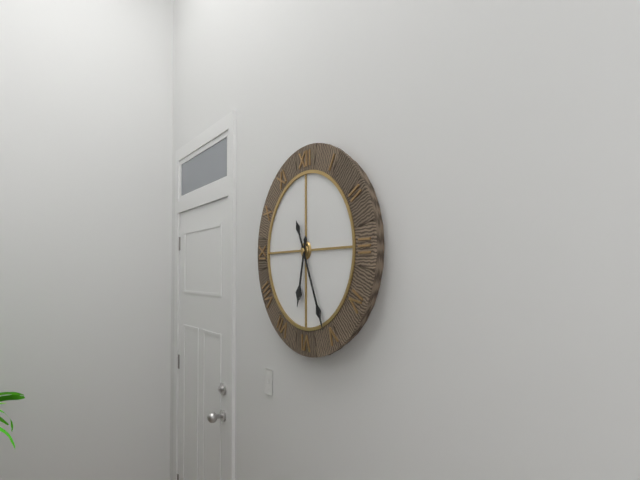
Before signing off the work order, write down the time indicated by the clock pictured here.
6:26
